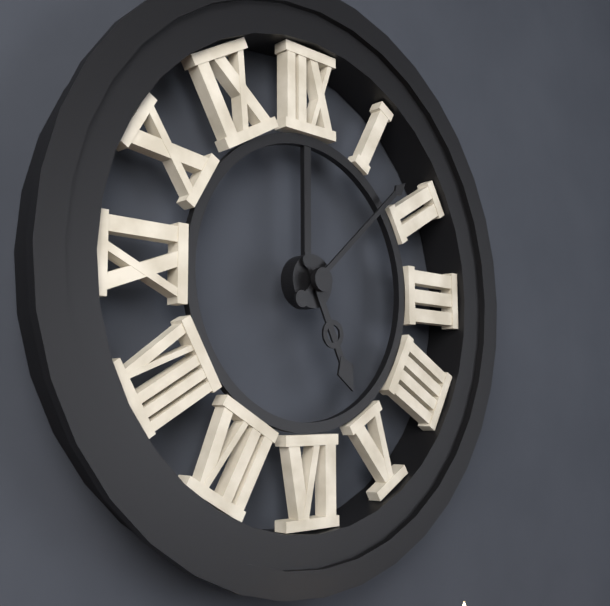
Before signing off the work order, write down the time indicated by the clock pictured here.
5:08
